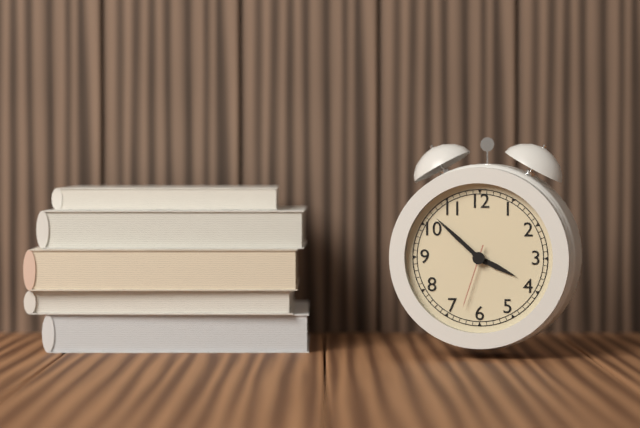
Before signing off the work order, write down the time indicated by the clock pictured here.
3:52:33
